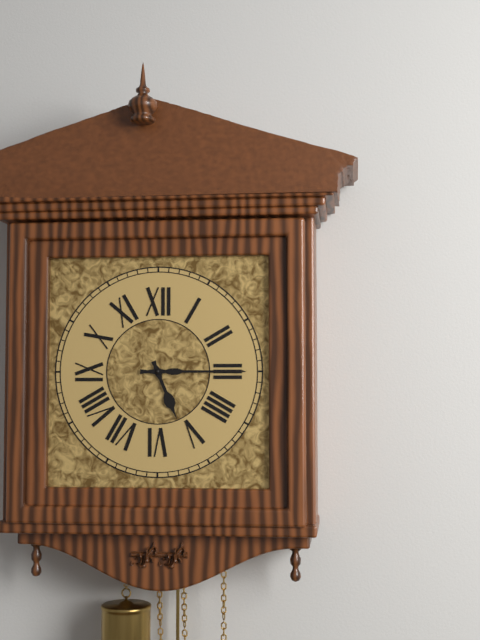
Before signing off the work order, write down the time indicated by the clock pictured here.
5:15
